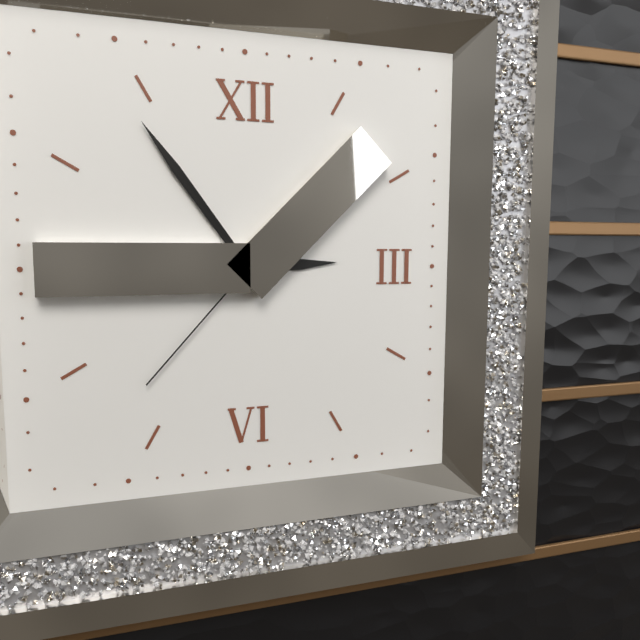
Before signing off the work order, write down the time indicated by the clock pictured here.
2:54:37
